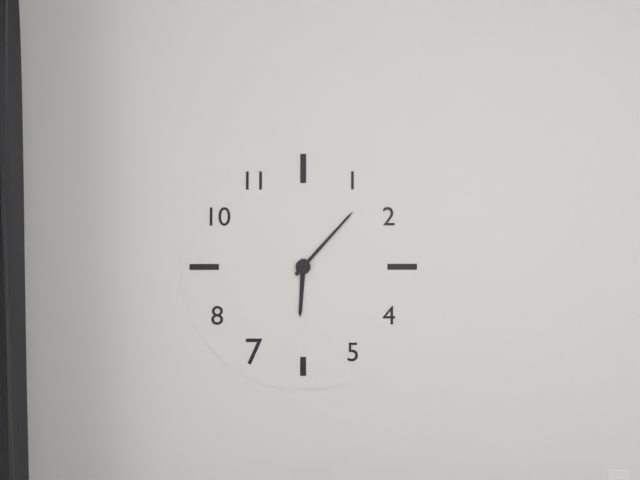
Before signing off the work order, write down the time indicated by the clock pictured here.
6:07
